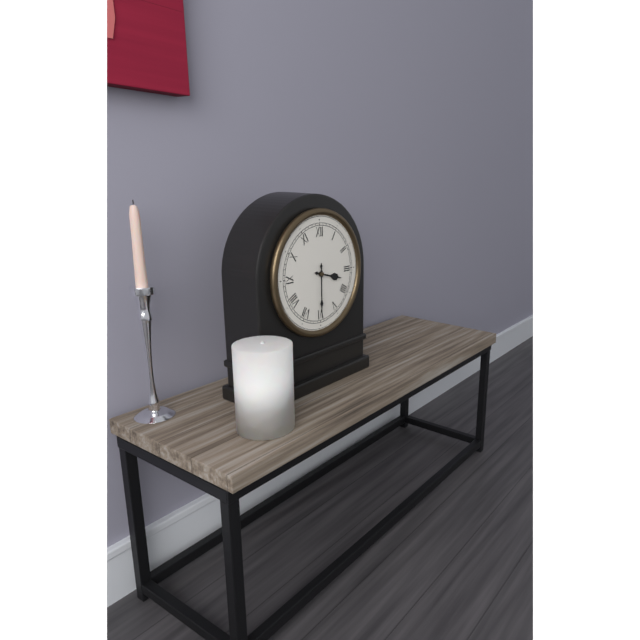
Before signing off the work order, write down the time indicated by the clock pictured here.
3:30
